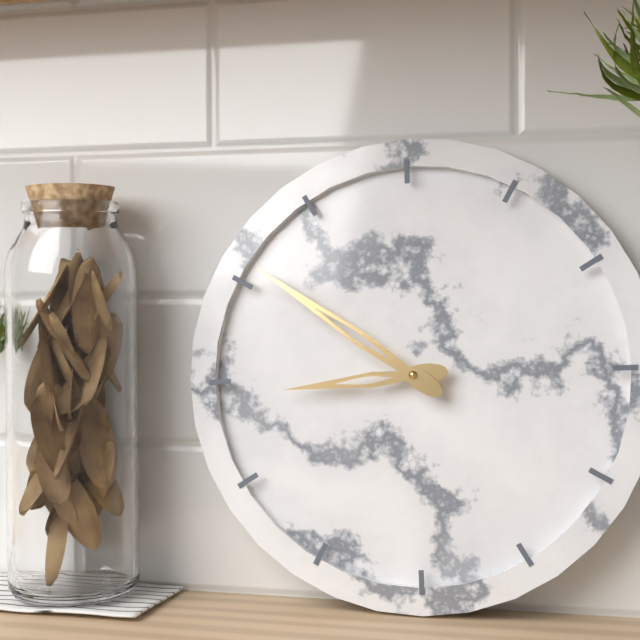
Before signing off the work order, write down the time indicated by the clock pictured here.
8:51
